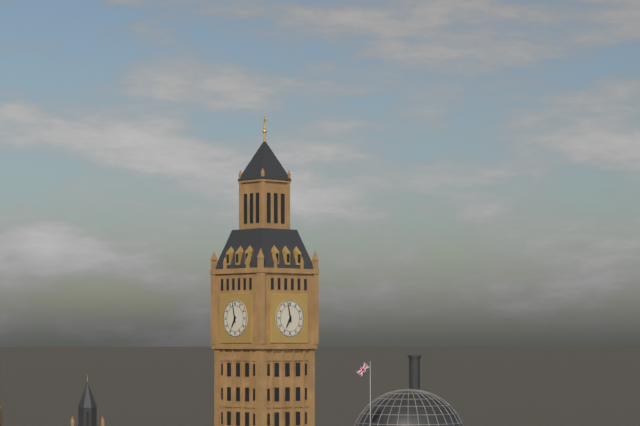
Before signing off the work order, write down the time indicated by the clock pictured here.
6:58
